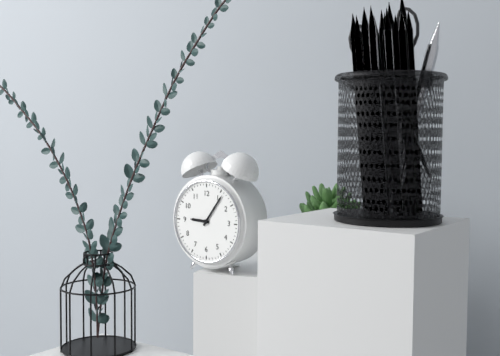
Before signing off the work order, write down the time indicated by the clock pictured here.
9:06
